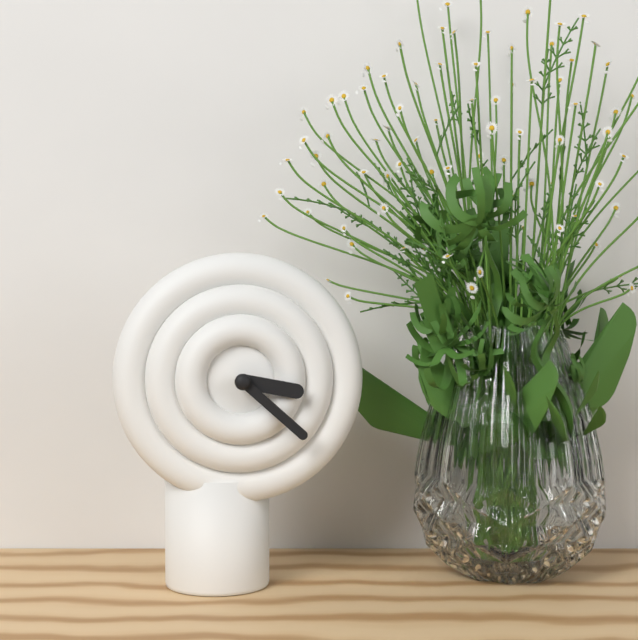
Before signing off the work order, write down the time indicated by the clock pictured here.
3:22
